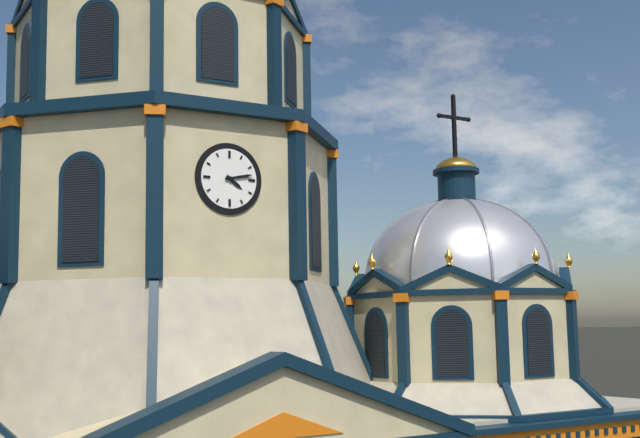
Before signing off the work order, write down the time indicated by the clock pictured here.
4:13
